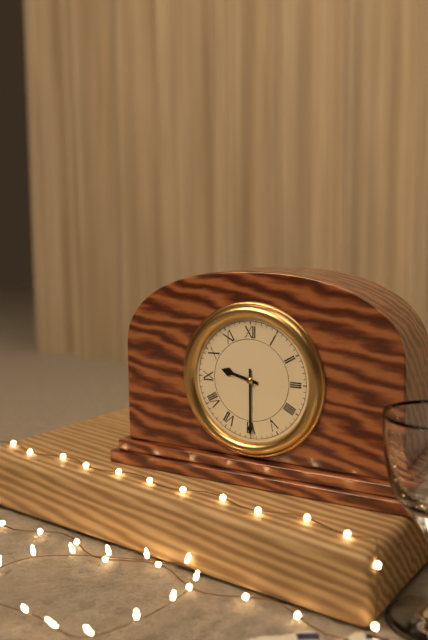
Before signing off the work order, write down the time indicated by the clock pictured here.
9:30
